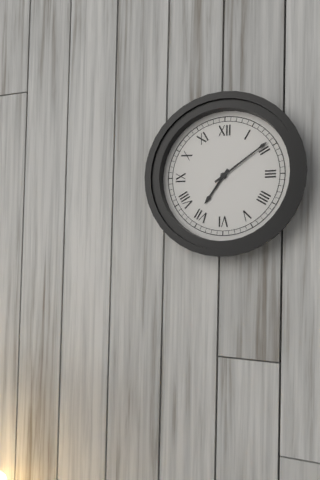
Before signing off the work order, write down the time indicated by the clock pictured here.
7:09
